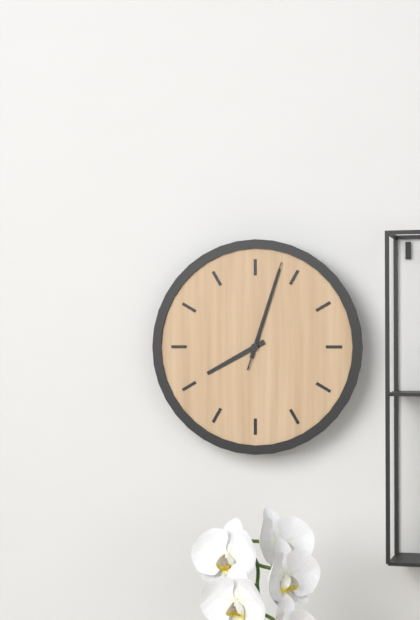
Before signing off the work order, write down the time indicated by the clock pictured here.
8:03:03
